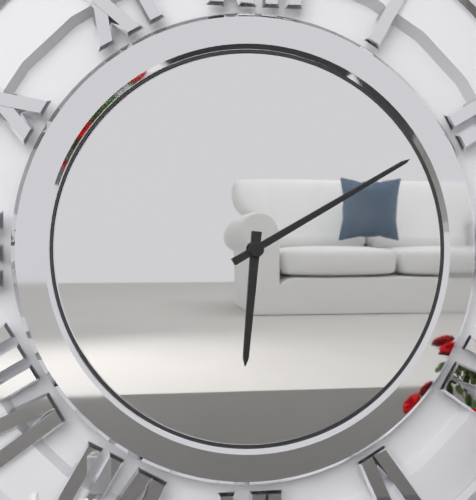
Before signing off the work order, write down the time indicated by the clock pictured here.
6:10
